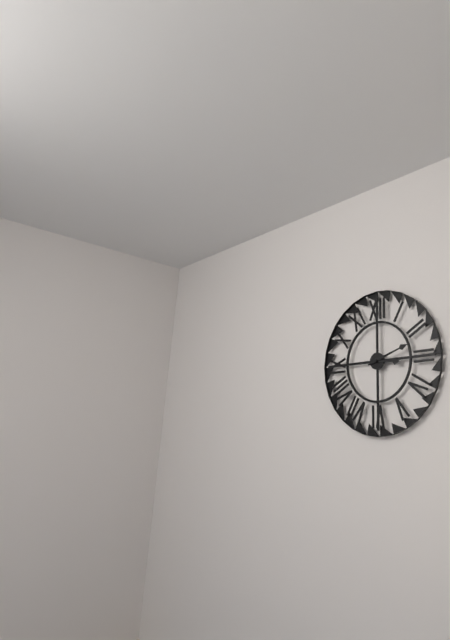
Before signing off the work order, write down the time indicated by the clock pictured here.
3:12
